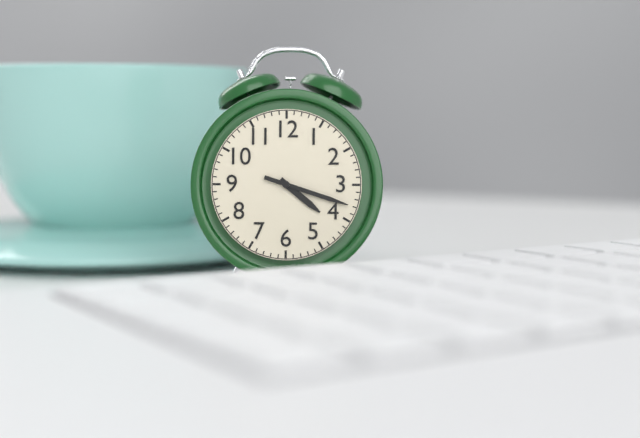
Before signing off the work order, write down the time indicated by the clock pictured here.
4:18
